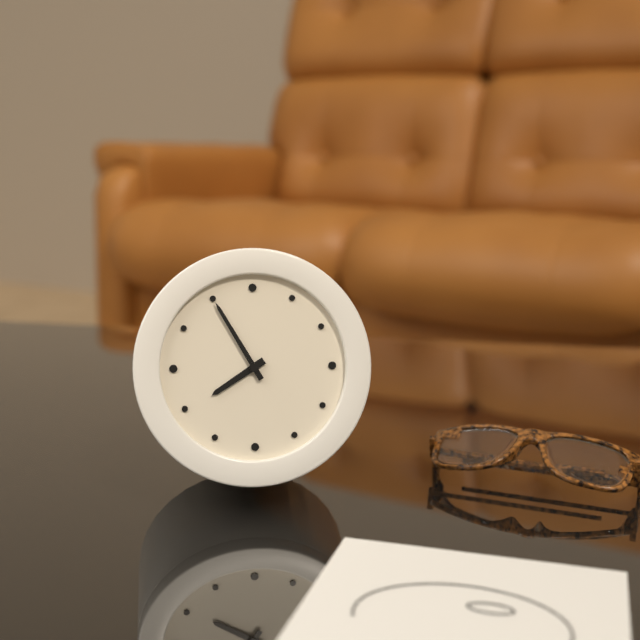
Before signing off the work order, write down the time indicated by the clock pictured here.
7:55
